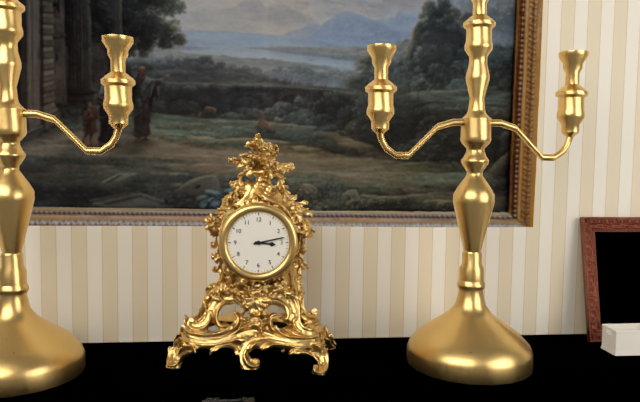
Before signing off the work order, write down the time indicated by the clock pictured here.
3:13
